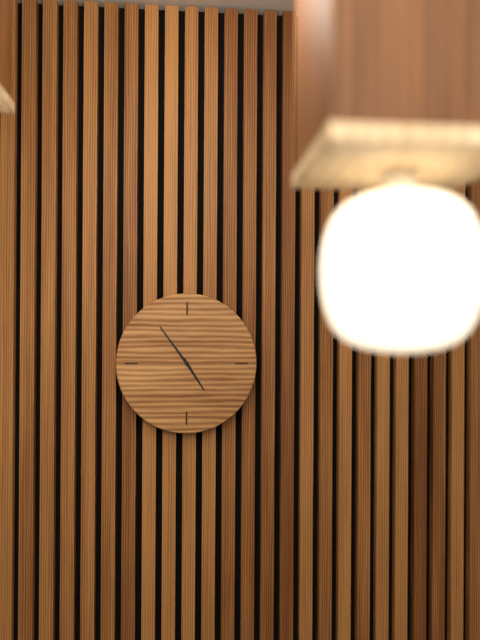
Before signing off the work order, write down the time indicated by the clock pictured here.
4:54
